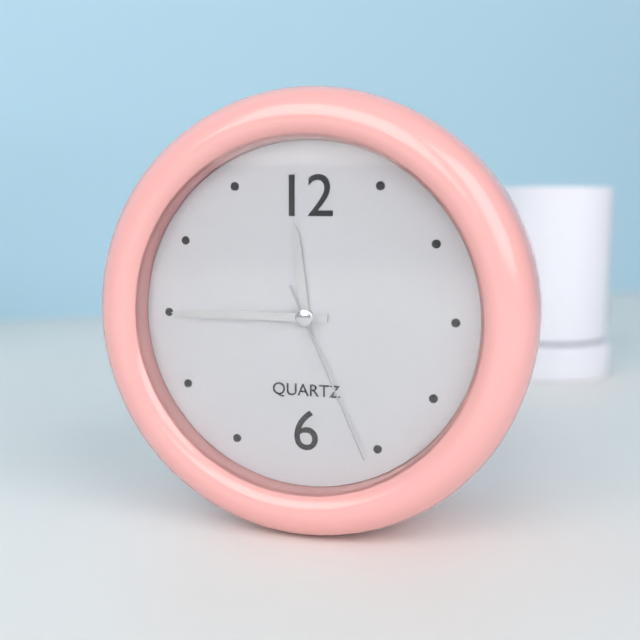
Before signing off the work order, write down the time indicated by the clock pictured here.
11:45:26
